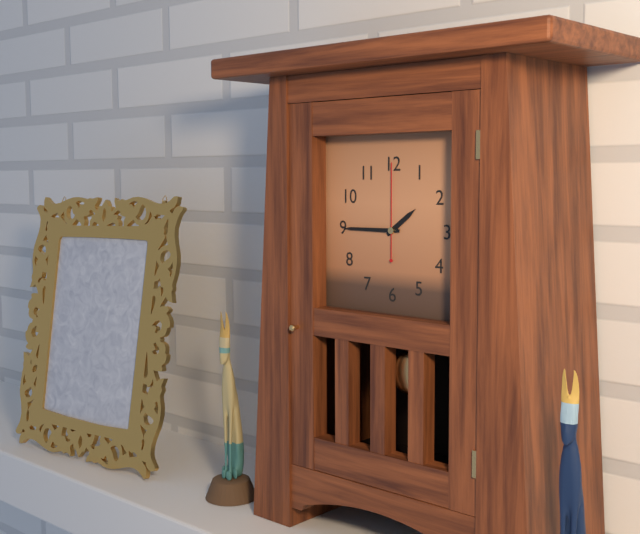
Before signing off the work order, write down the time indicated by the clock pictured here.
1:45:00
